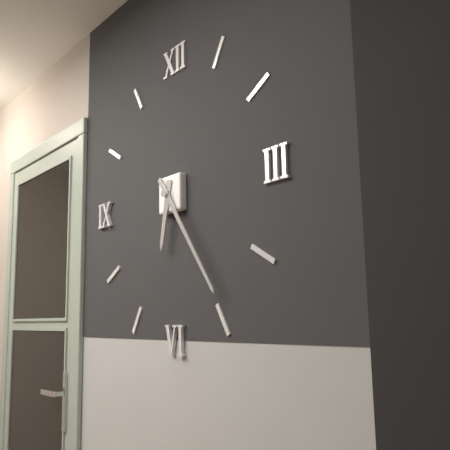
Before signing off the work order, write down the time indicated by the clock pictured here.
6:24
